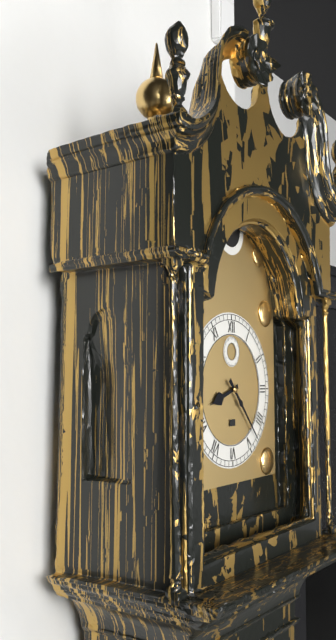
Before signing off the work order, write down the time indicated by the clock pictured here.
8:23
